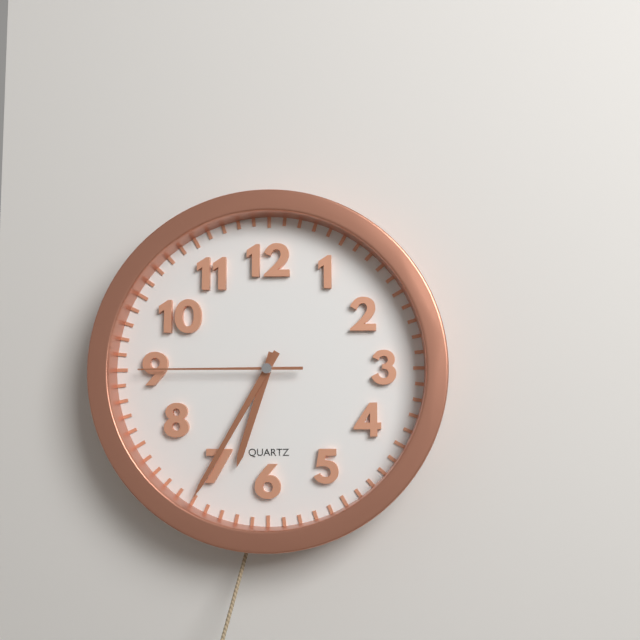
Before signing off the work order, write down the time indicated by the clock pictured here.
6:35:45
